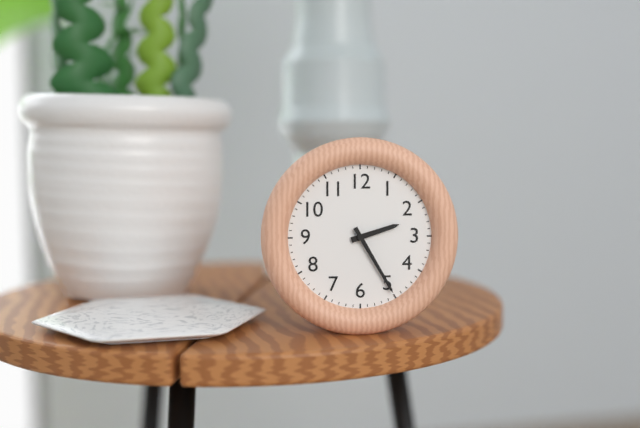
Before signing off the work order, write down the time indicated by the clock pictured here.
2:25
